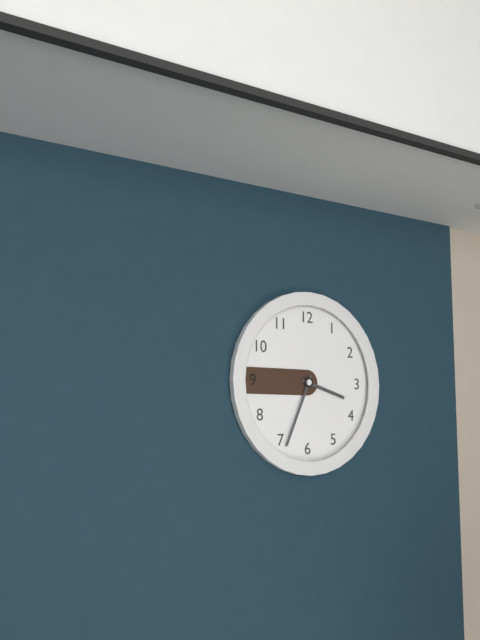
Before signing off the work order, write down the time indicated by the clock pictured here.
3:34
